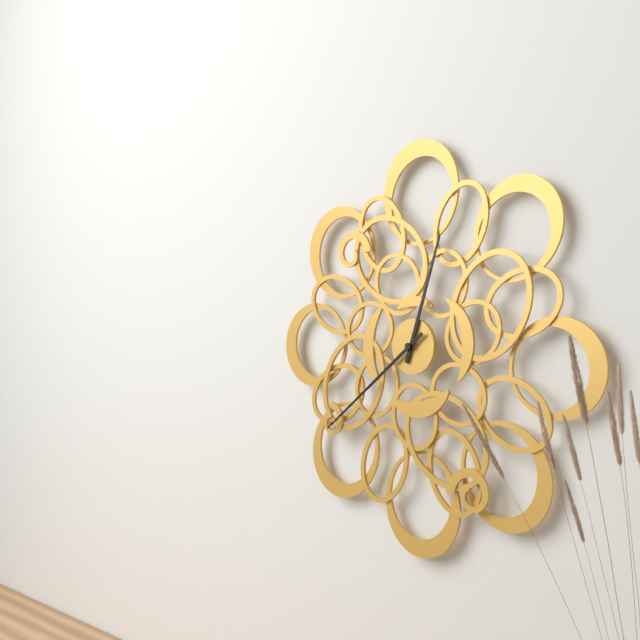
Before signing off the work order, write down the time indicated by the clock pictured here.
12:39
